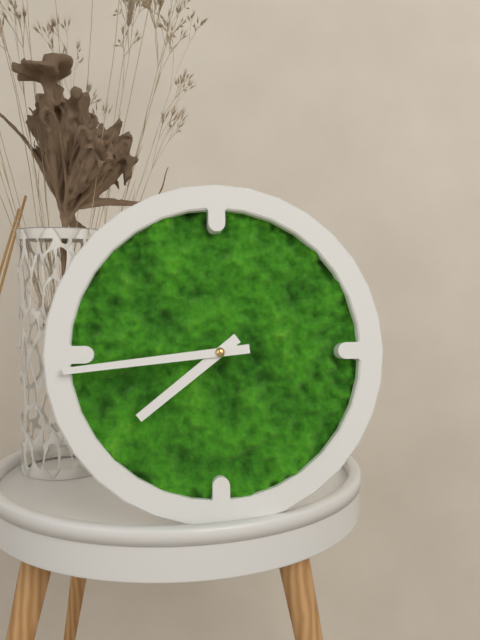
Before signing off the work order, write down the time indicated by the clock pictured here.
7:44
